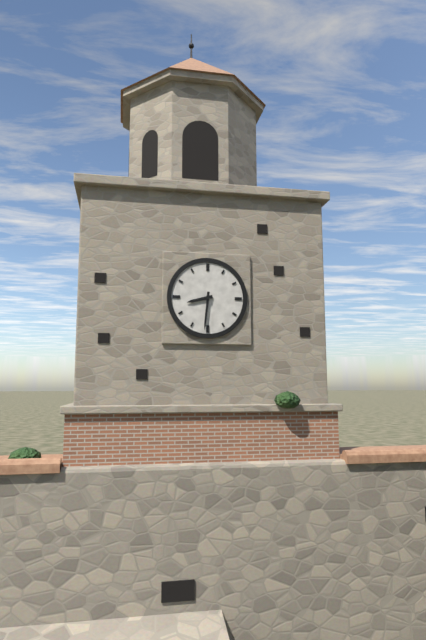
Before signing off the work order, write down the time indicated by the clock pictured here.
8:31
